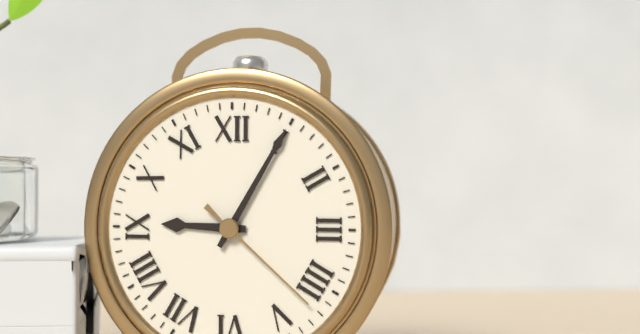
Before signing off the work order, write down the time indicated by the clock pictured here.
9:05:22
